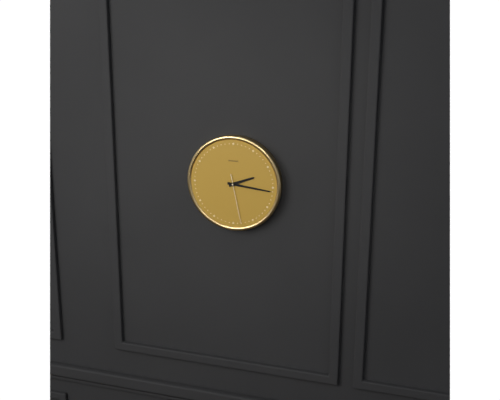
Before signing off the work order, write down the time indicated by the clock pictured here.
2:16:28
